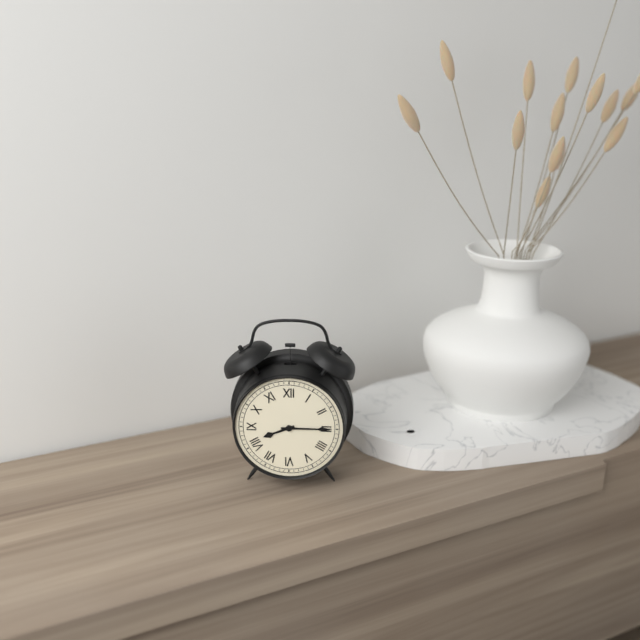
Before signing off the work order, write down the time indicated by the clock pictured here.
8:15
